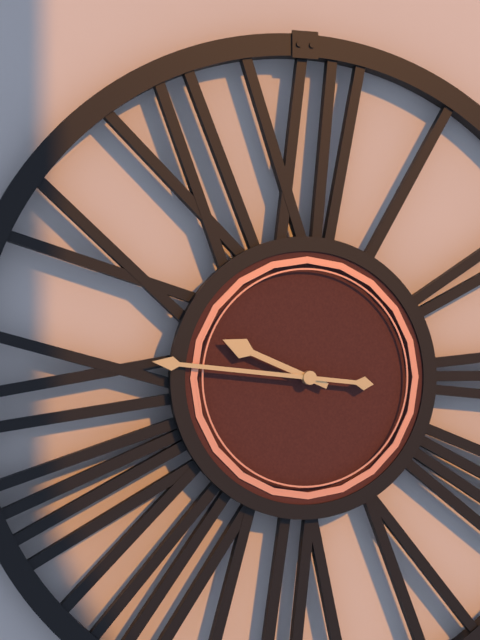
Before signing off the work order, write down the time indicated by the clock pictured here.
9:46
